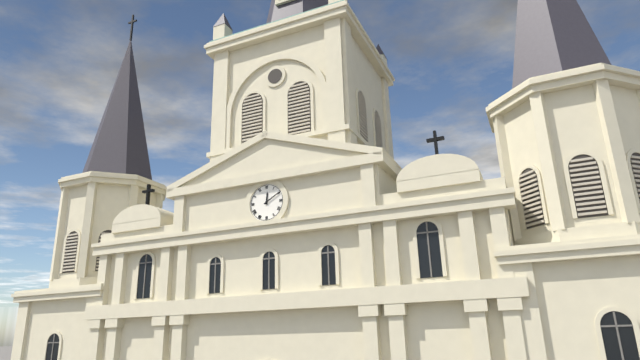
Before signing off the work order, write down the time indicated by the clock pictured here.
12:10
